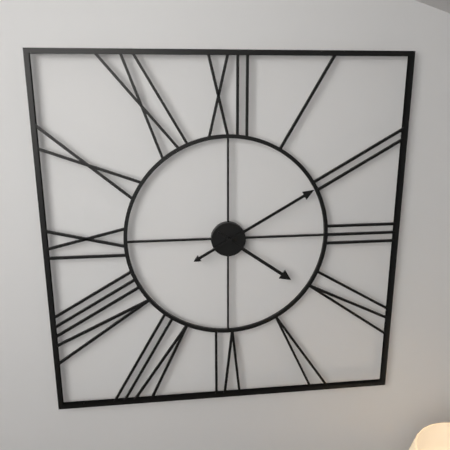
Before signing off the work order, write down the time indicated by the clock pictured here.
4:10
